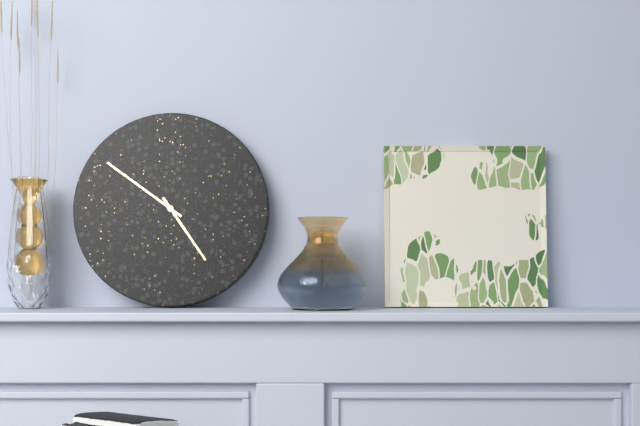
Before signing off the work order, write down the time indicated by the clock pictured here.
4:51
